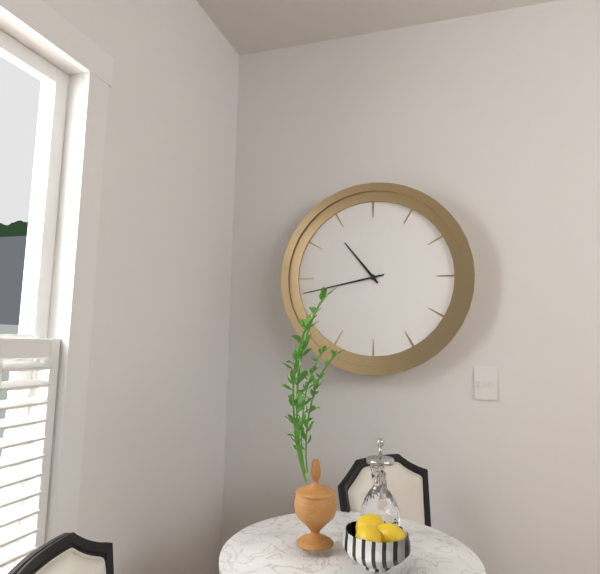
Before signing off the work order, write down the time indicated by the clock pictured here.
10:43
